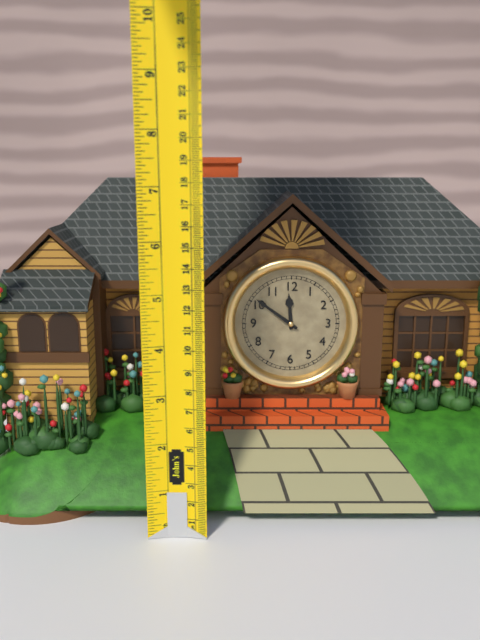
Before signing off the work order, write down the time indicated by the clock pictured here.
11:51
